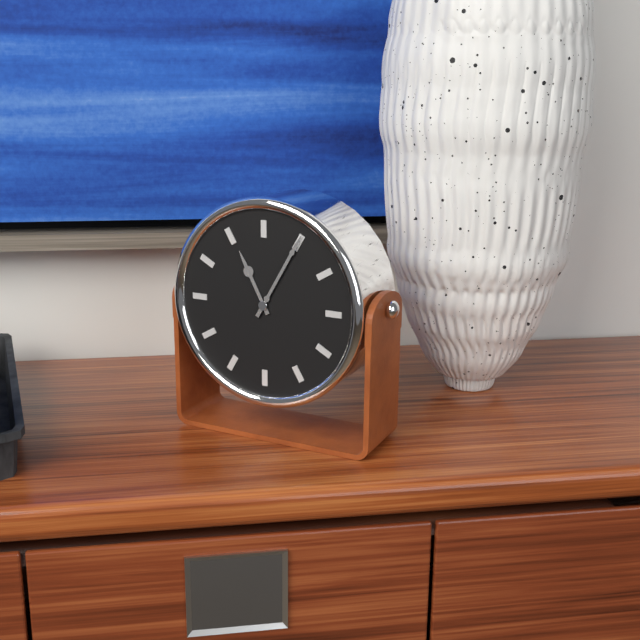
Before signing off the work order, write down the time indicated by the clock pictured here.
11:05
